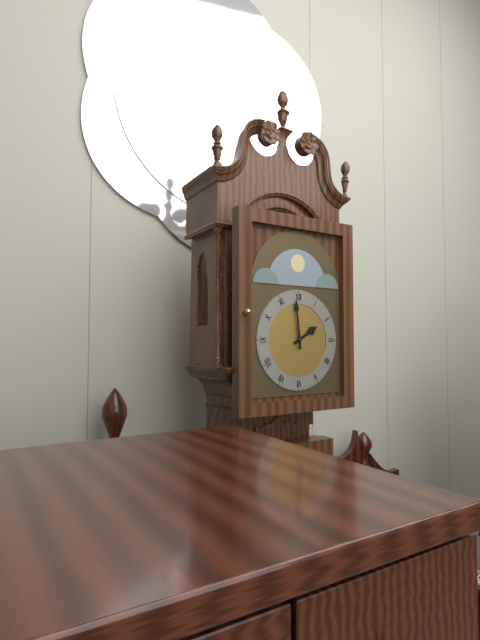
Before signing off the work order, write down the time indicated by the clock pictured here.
1:59
